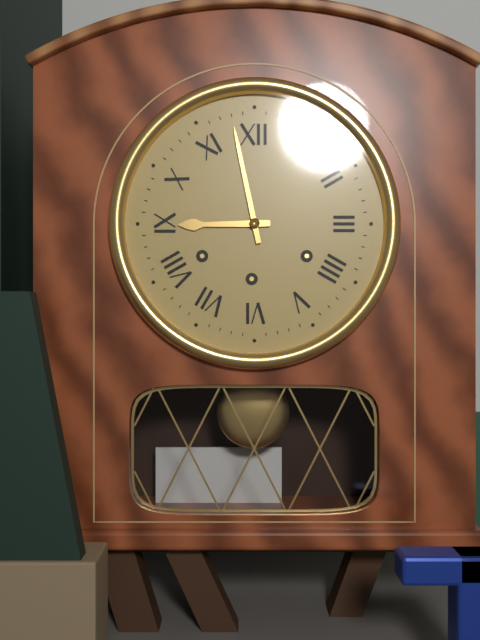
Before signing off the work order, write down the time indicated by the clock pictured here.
8:58
